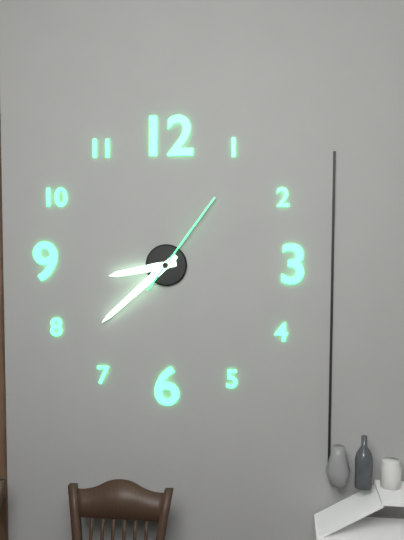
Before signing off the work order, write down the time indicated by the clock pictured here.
8:38:06
